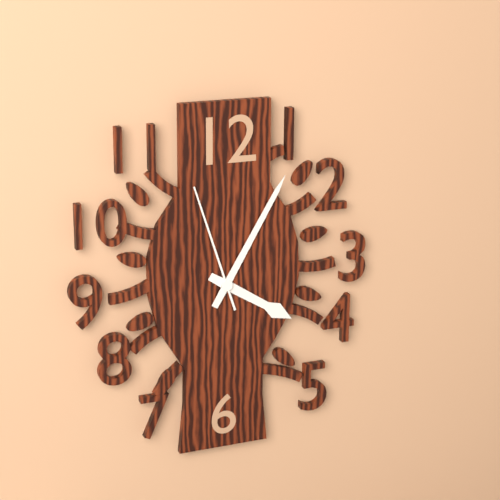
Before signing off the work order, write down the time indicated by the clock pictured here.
4:05:57
